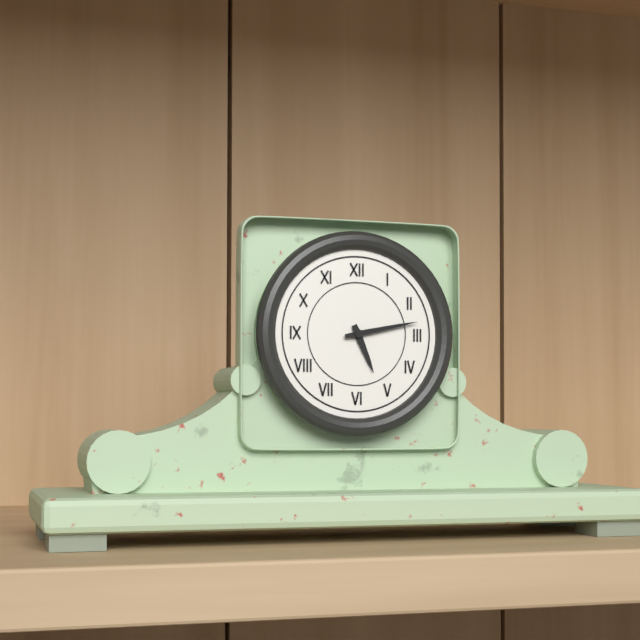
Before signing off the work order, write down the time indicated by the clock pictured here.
5:13
